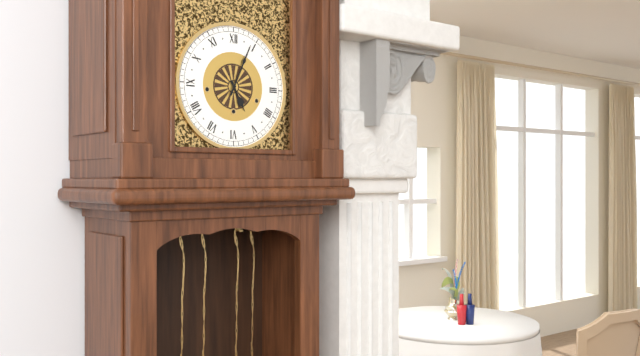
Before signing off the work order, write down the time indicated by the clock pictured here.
5:04
